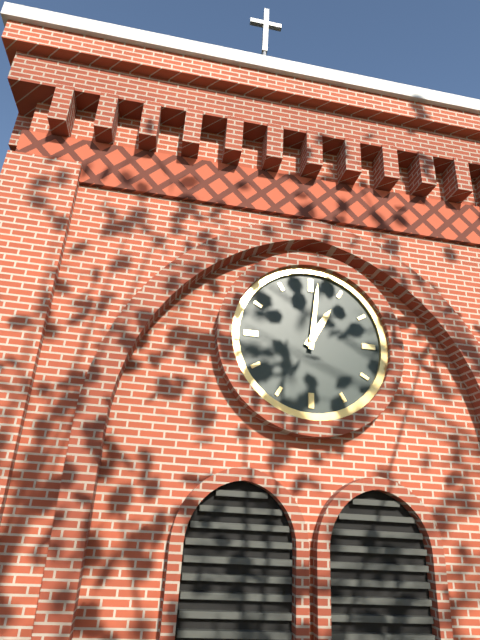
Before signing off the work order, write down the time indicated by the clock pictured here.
1:01
